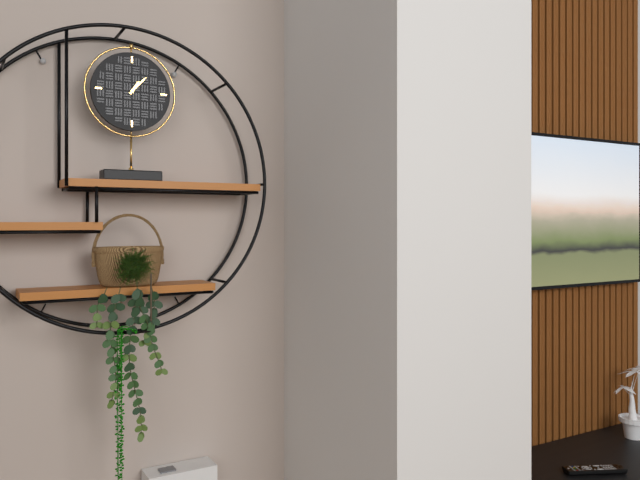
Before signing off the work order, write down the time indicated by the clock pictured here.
1:07
